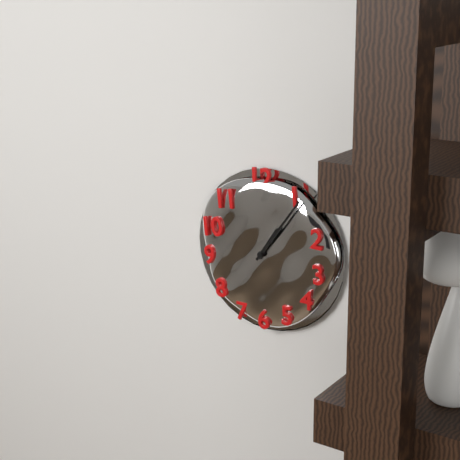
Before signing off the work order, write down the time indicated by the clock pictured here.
1:06
